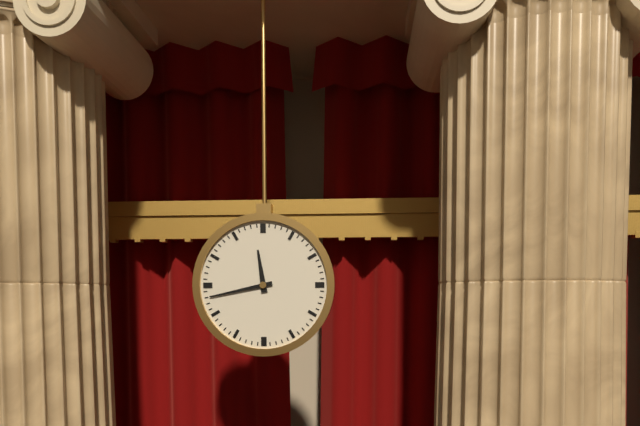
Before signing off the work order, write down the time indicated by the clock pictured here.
11:43
